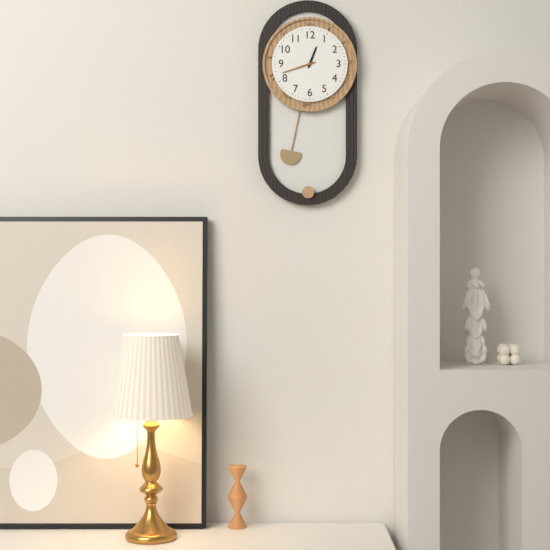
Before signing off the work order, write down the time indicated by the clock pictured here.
12:42
